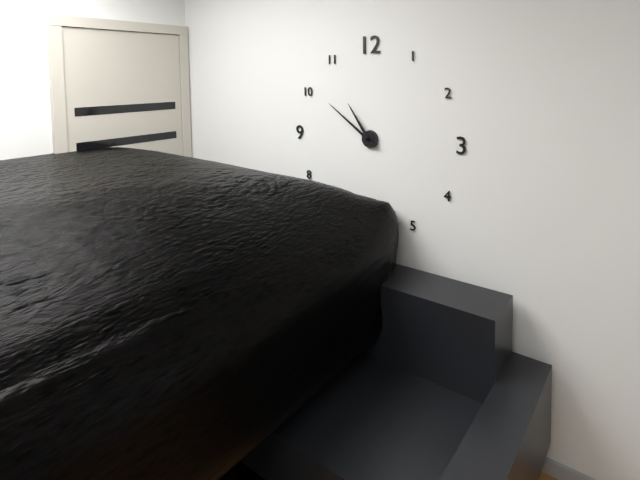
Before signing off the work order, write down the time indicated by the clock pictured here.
10:51
